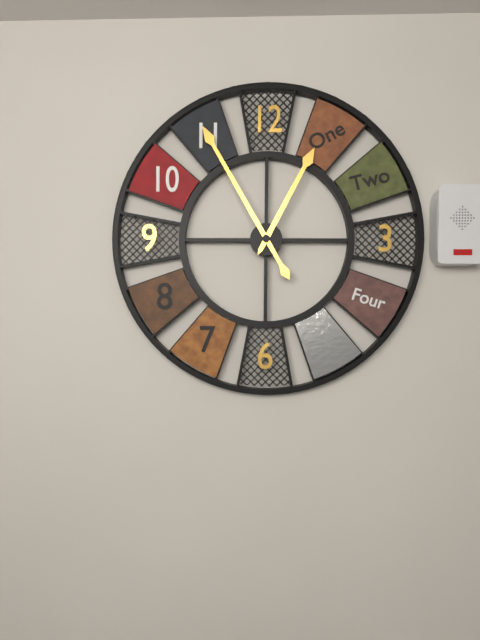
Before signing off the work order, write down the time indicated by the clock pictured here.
12:55
